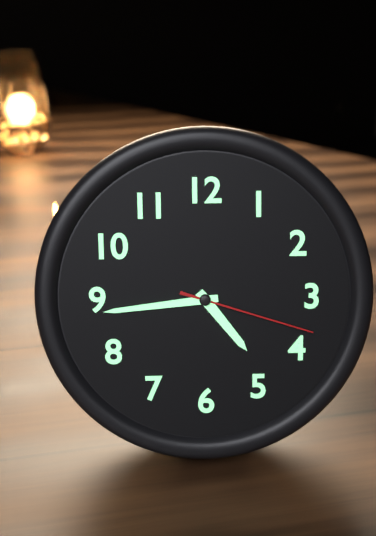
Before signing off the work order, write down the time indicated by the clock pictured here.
4:44:18
